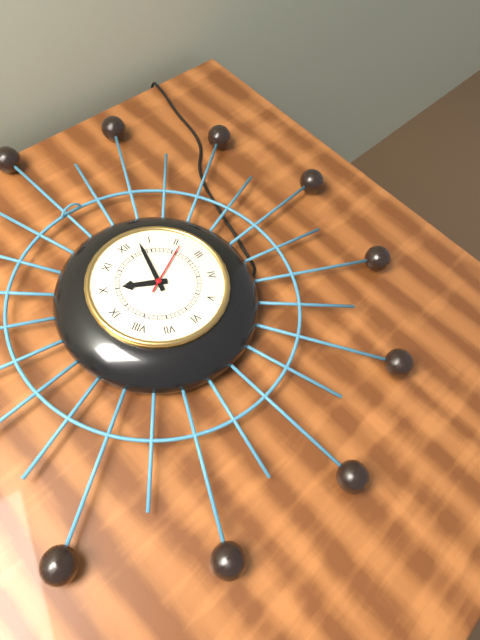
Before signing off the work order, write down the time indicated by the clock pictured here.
10:03:11
